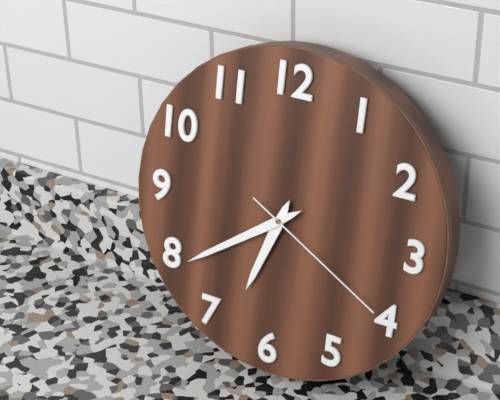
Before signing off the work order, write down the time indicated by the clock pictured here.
6:39:20
